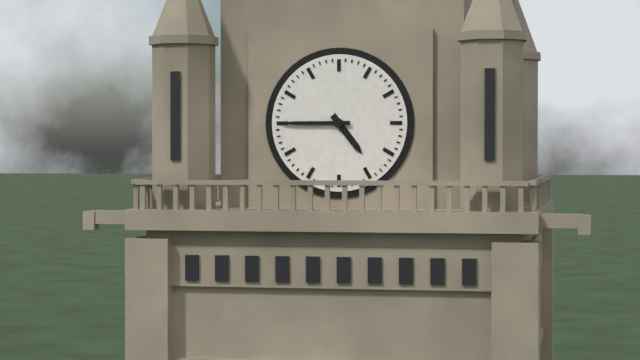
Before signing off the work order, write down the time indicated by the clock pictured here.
4:45
